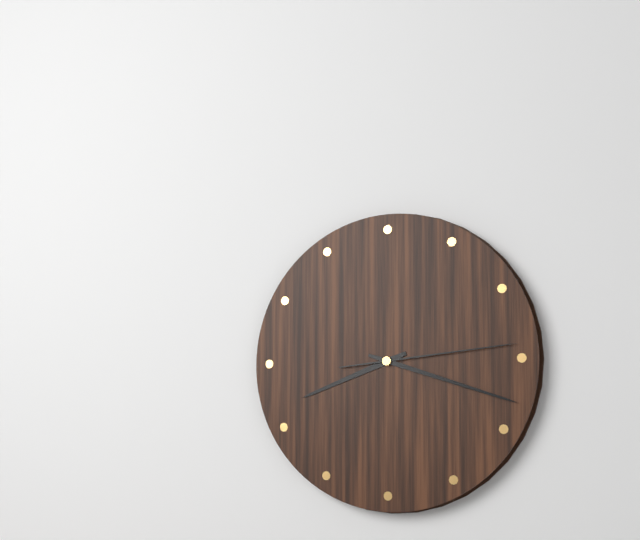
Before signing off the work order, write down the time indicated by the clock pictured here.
8:18:14
